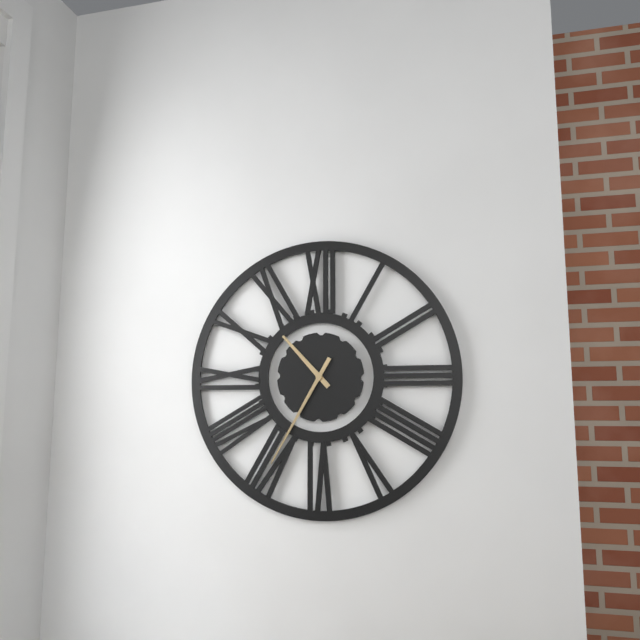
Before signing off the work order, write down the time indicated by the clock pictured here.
10:35
